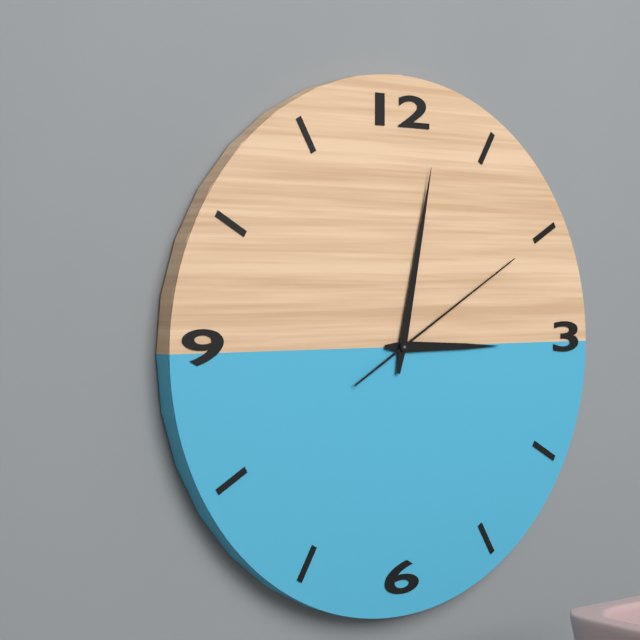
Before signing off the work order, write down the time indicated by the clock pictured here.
3:02:10
